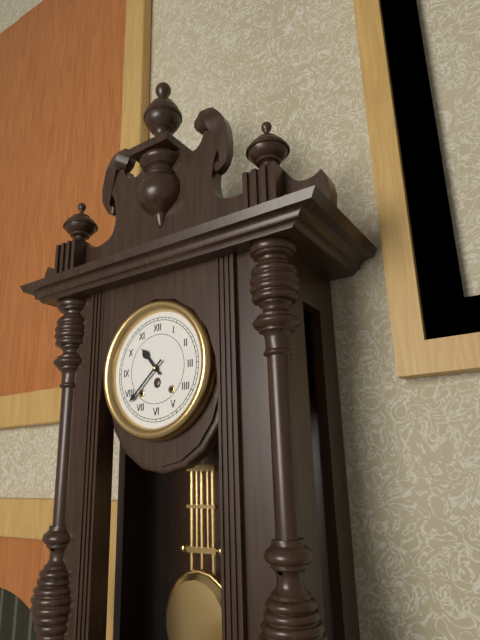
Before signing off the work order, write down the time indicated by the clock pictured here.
10:38
